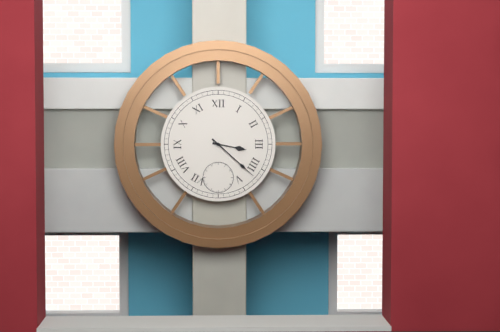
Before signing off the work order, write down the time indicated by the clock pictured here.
3:22
